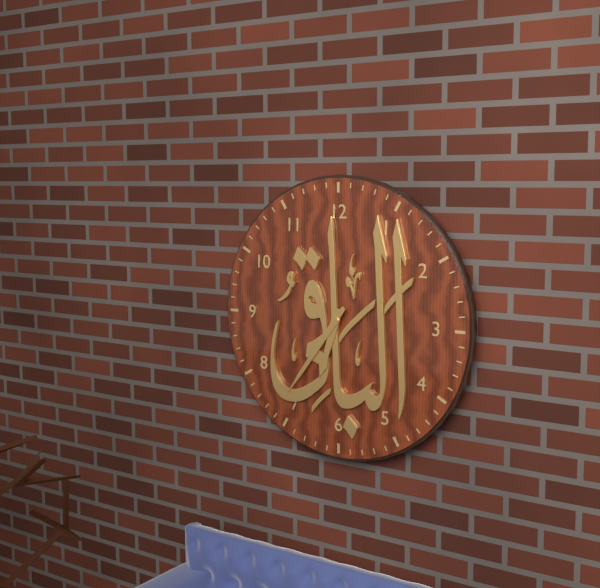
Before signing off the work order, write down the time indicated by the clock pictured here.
6:36
